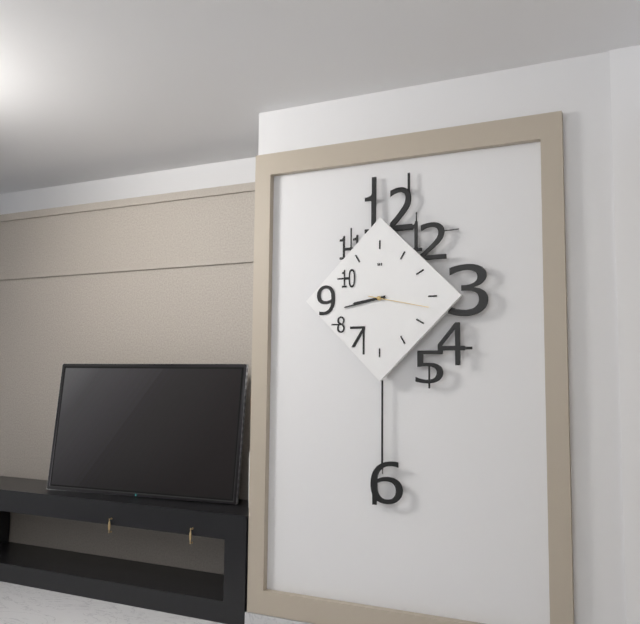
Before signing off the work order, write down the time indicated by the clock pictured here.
8:43:17
